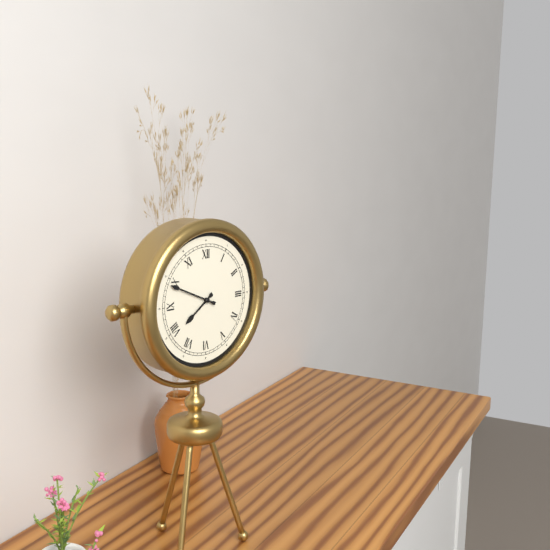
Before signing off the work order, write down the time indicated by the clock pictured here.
7:49
